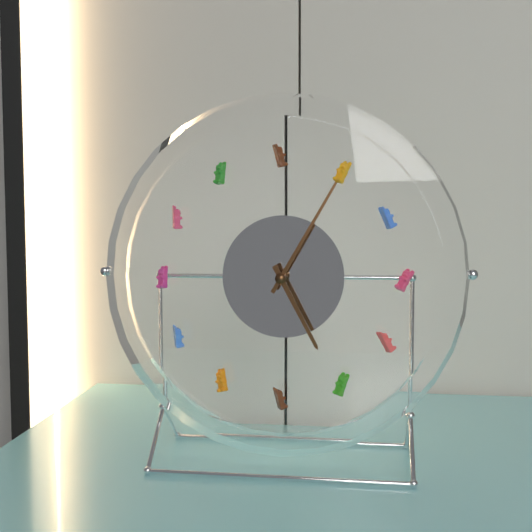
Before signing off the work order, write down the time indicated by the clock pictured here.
5:05
